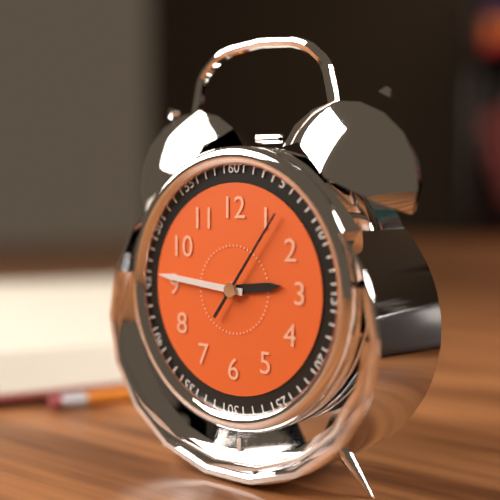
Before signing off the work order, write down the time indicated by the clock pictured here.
2:46:06
